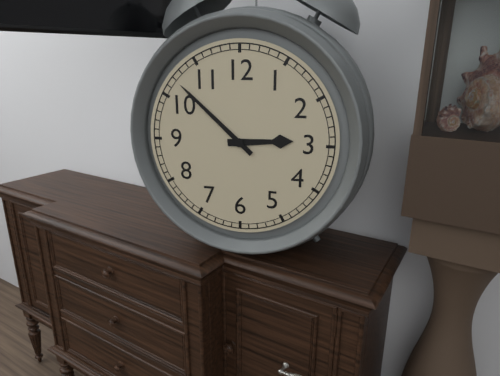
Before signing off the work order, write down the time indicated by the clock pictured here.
2:52
